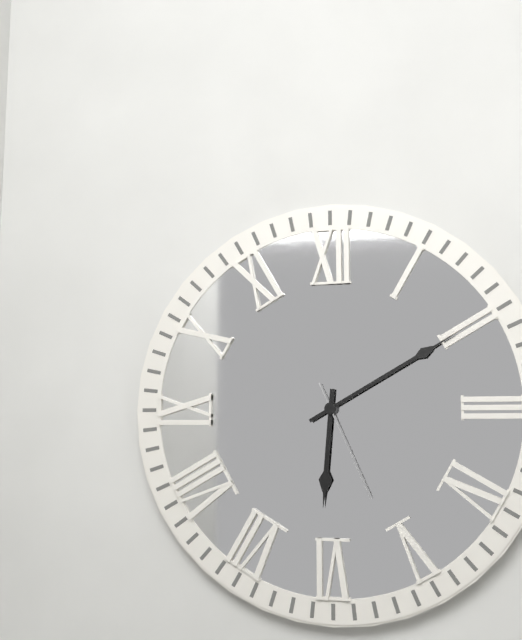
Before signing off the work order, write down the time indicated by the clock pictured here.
6:10:26
